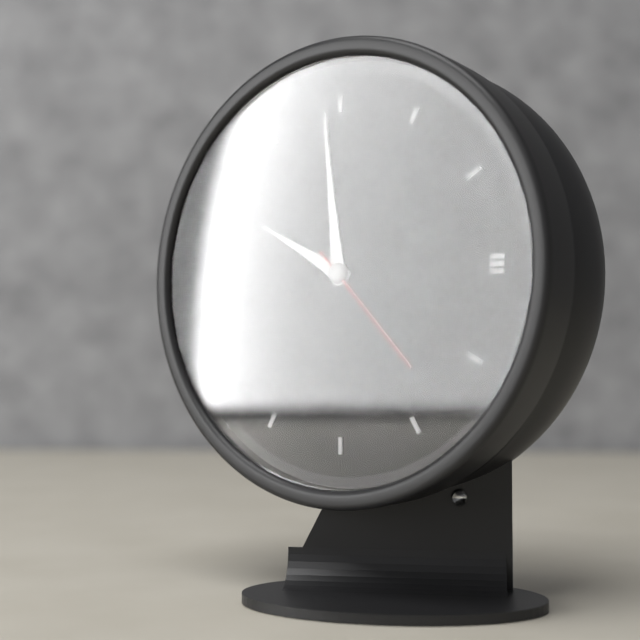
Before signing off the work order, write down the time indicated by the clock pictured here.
9:59:23
